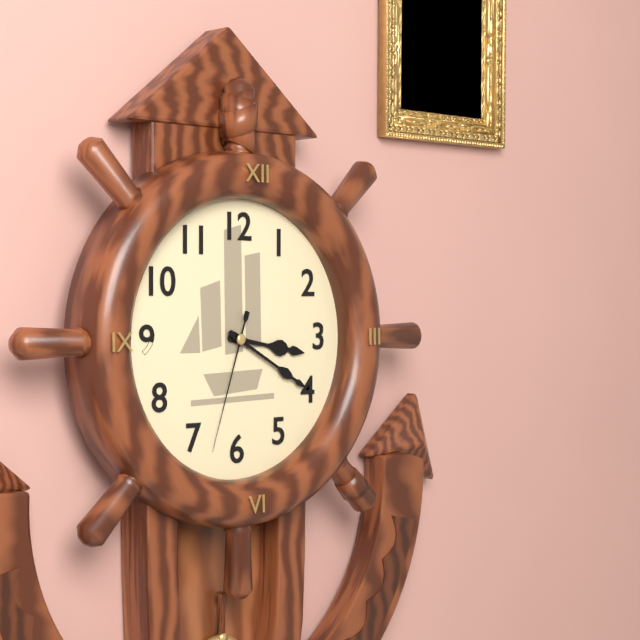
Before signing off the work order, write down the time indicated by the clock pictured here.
3:20:33
